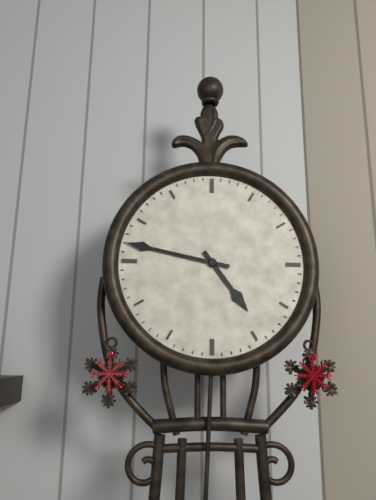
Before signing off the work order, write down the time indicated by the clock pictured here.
4:47
